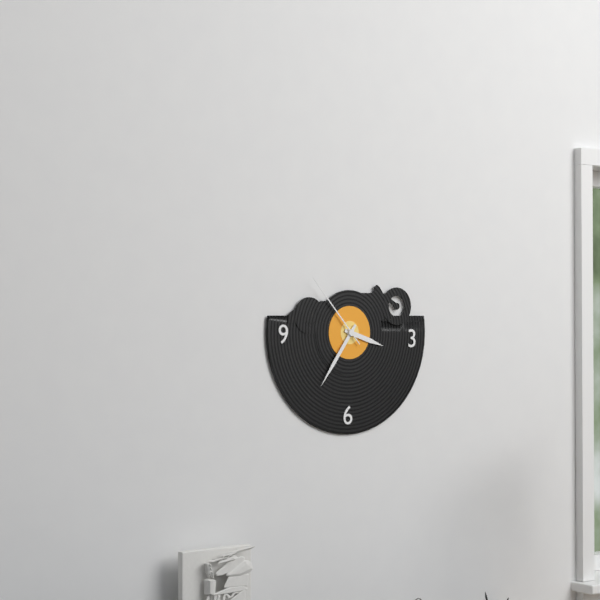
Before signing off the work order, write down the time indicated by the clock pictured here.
3:36:53
